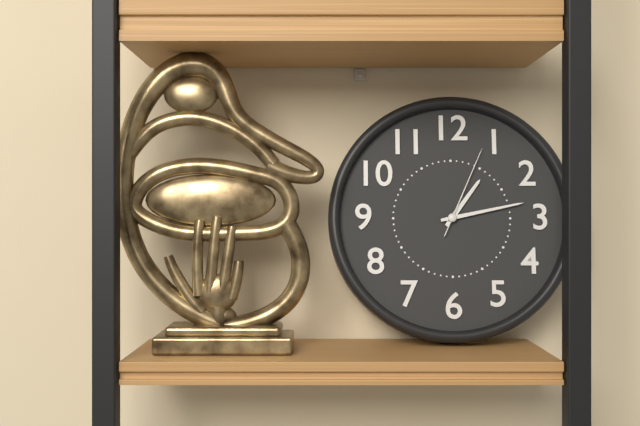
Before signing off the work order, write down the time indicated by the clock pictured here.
1:13:04
